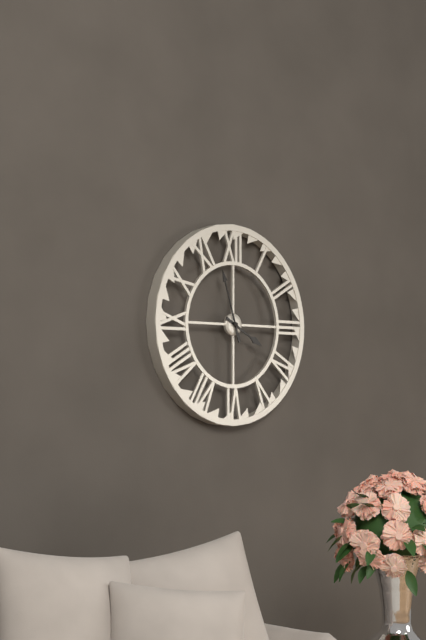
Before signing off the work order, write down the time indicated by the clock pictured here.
3:57
